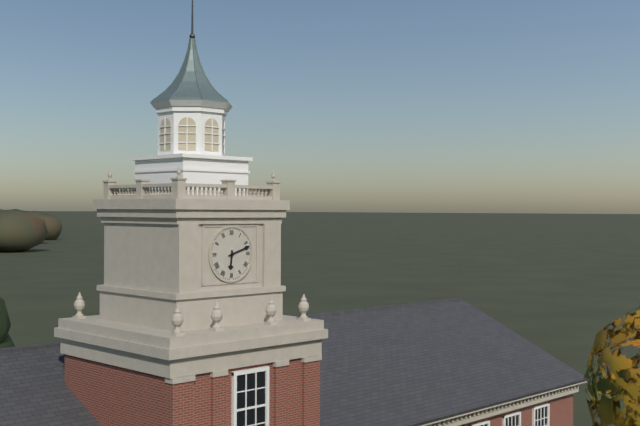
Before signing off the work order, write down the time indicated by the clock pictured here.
6:12
